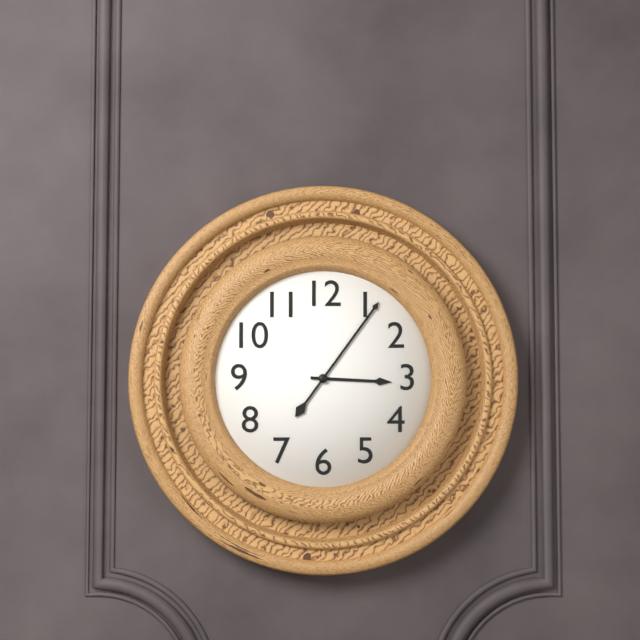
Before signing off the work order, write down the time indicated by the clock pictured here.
3:06
